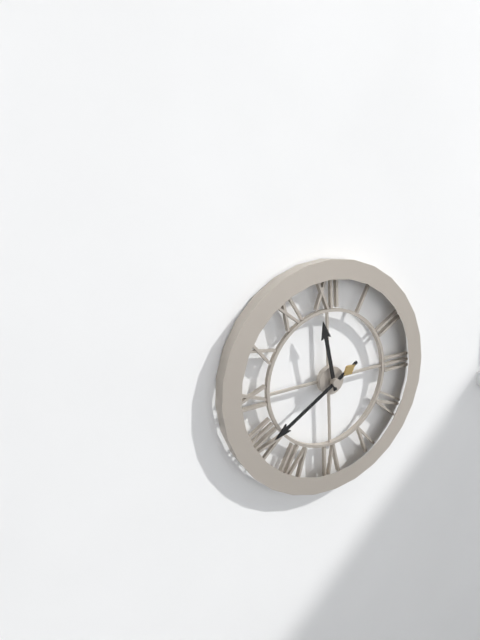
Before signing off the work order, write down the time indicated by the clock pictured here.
11:40
